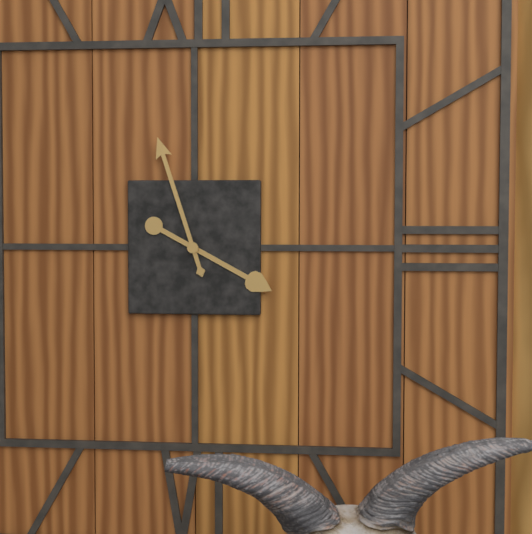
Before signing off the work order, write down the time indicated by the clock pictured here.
3:57
